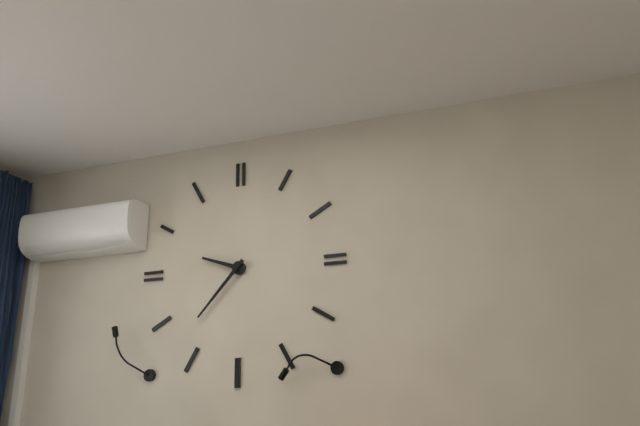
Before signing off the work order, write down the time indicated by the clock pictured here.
9:37
